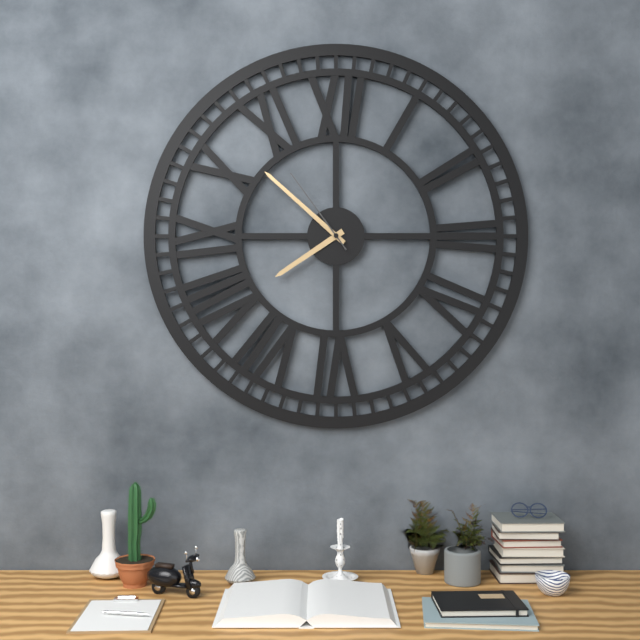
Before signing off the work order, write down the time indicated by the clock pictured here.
7:52:54
